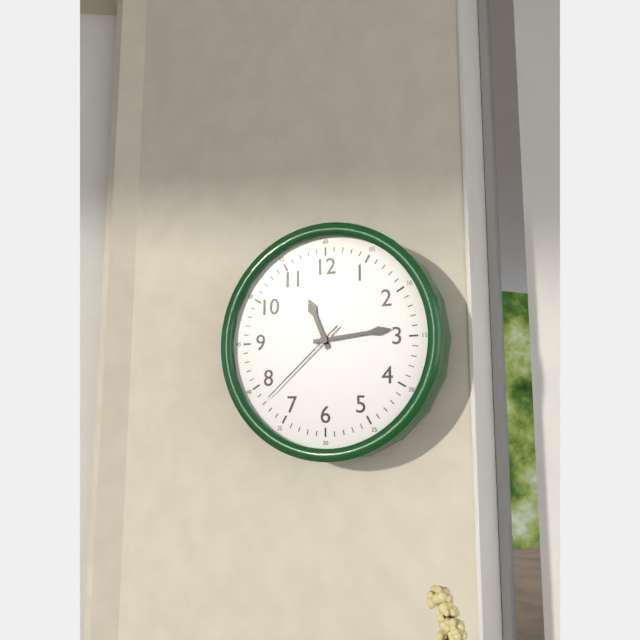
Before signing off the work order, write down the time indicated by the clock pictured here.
11:14:38
